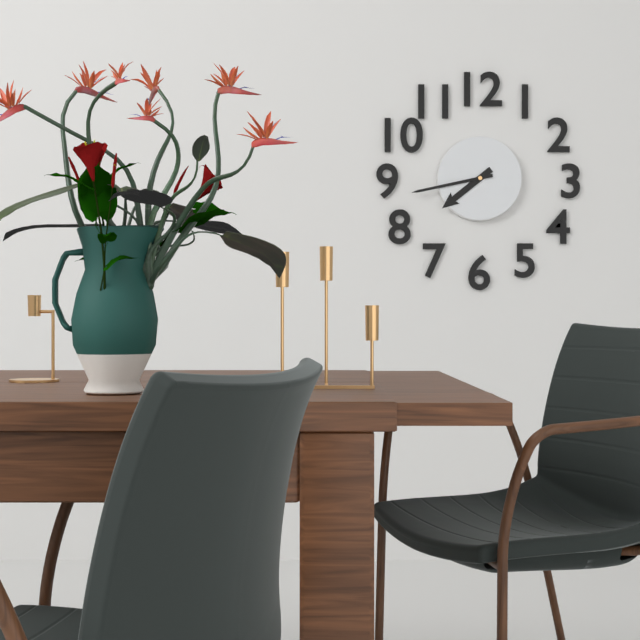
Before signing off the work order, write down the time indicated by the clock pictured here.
7:43
